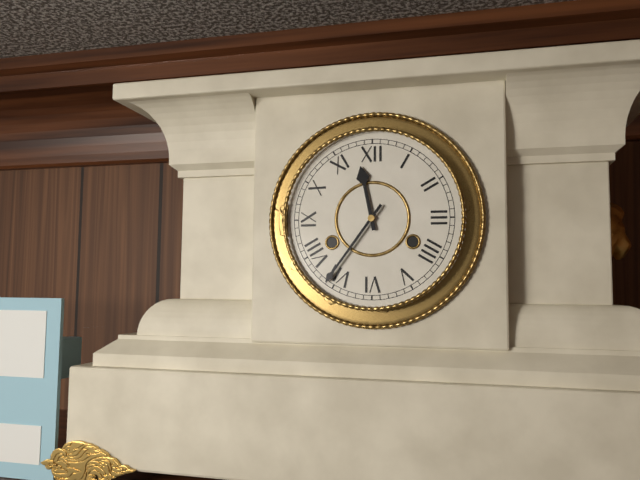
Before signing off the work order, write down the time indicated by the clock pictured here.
11:36
